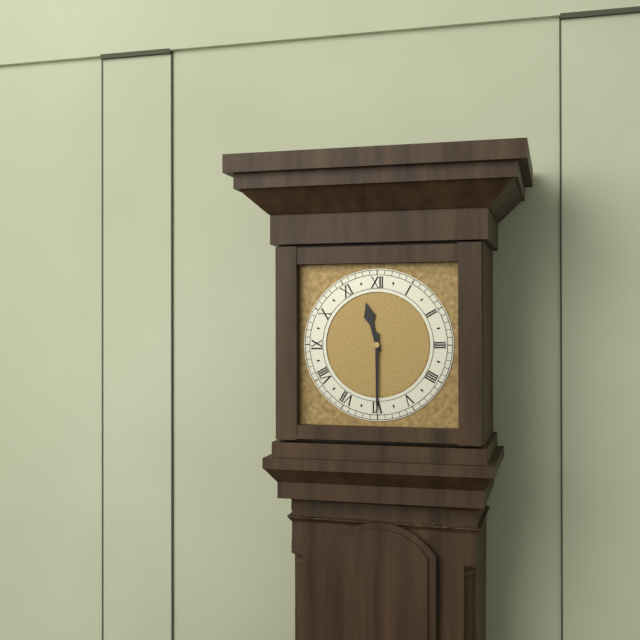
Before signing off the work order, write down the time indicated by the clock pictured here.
11:30
